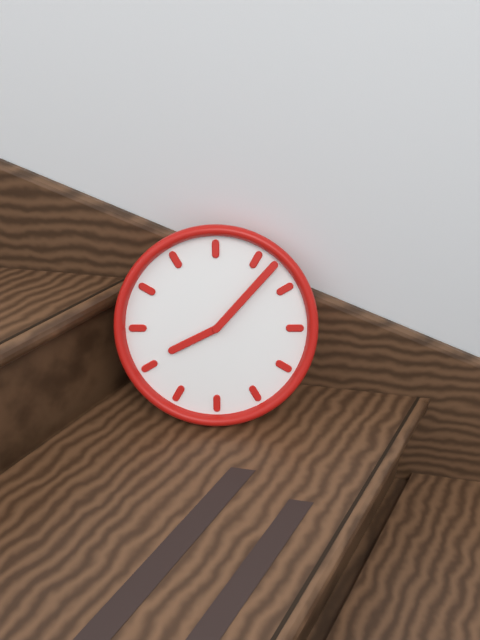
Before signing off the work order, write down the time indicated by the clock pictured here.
8:07
